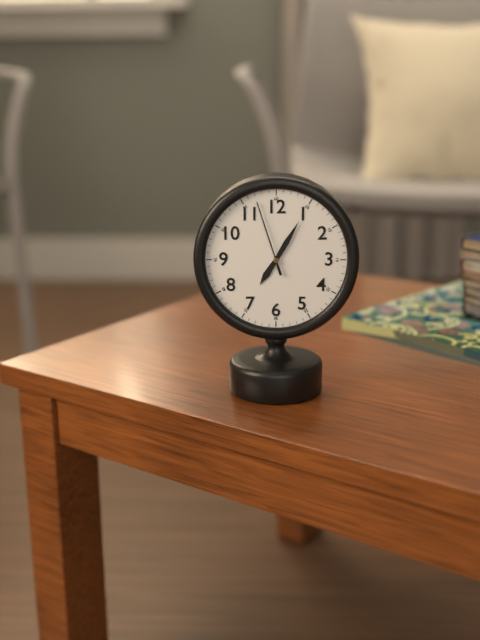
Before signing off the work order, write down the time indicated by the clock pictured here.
7:05:57
